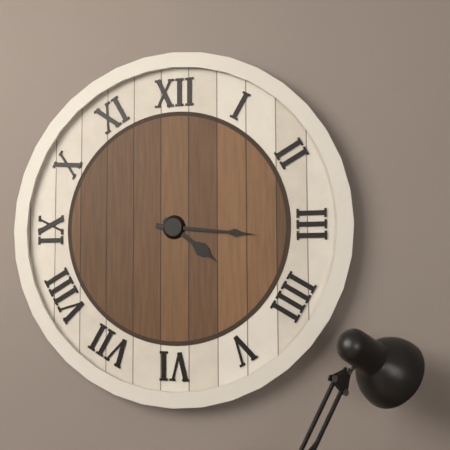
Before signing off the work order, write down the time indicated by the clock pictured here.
4:16
